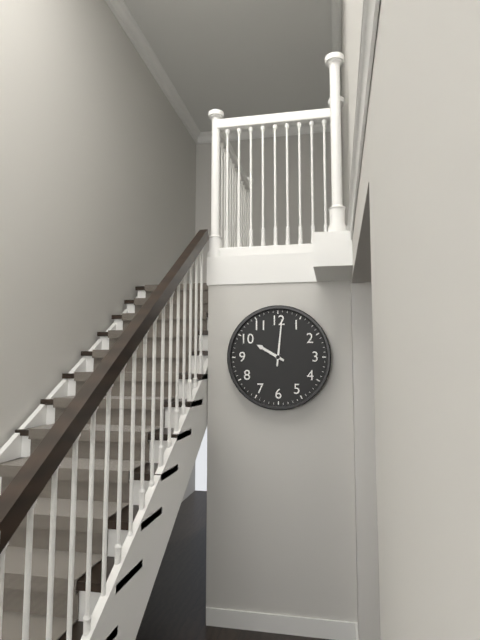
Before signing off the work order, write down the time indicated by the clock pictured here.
10:01
